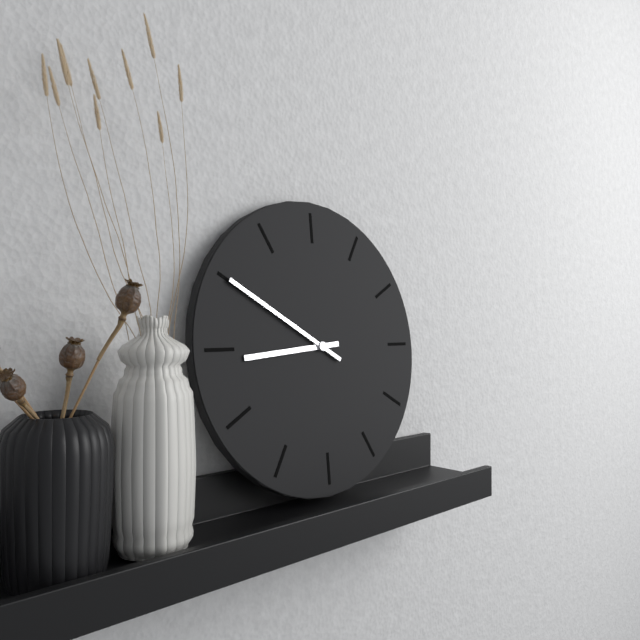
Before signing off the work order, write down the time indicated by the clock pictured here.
8:50
